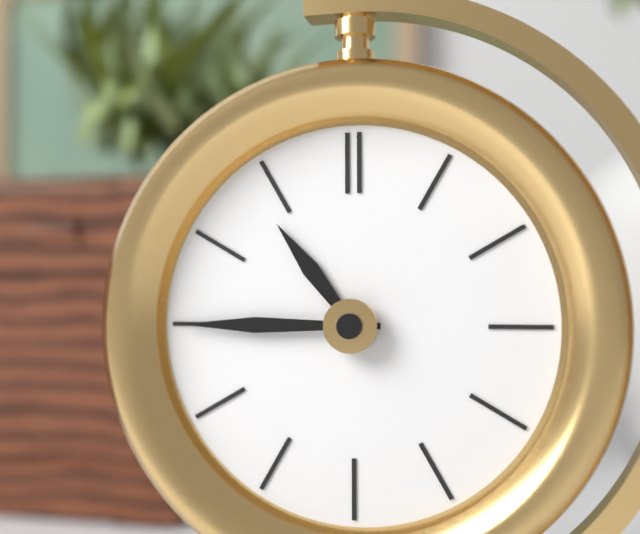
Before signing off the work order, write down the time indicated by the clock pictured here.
10:45
